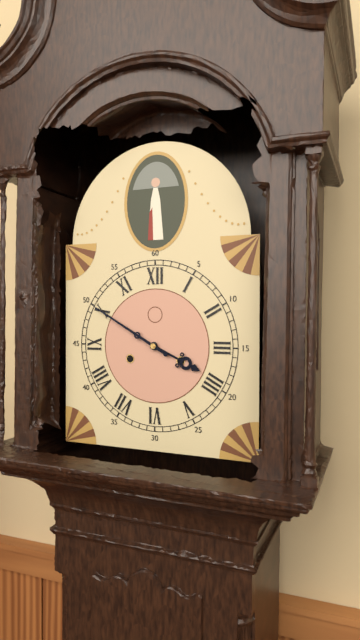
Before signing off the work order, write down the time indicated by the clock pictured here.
3:50
